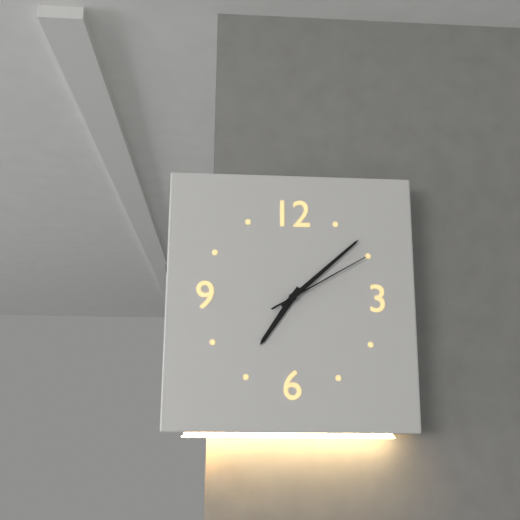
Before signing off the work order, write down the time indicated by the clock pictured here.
7:08:10
